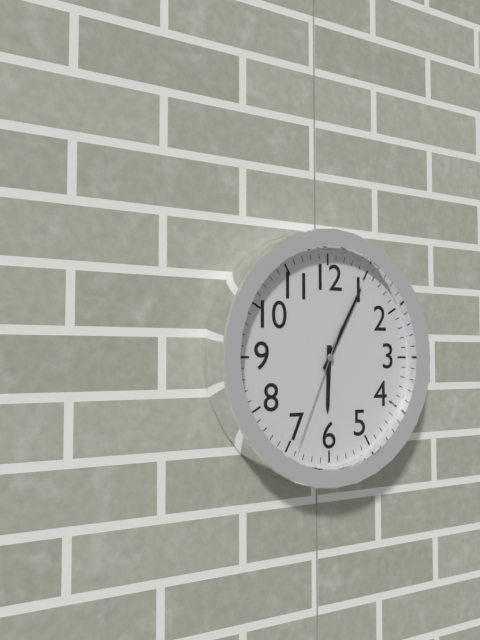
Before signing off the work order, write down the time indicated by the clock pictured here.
6:05:34
